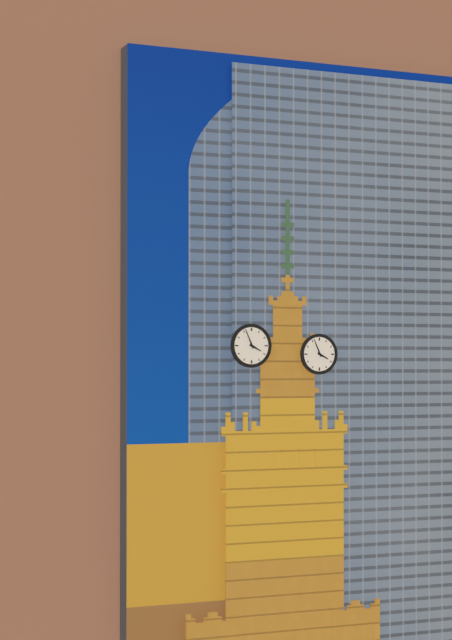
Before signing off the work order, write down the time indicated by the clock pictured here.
3:56
